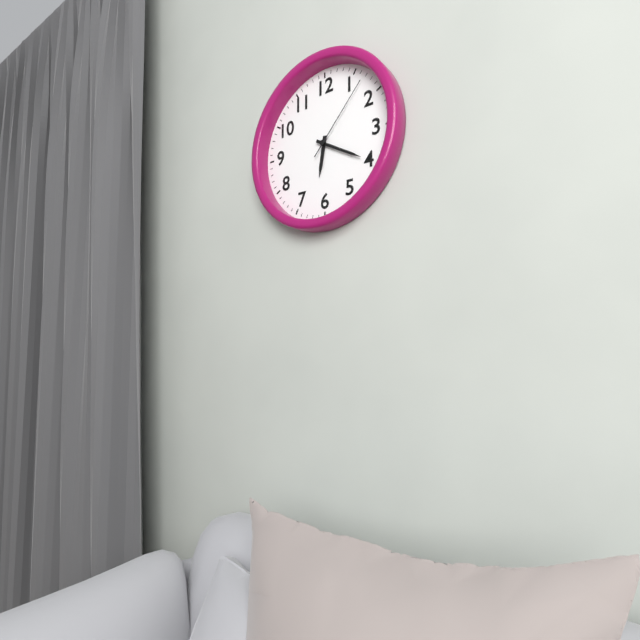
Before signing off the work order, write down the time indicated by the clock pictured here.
6:20:07
